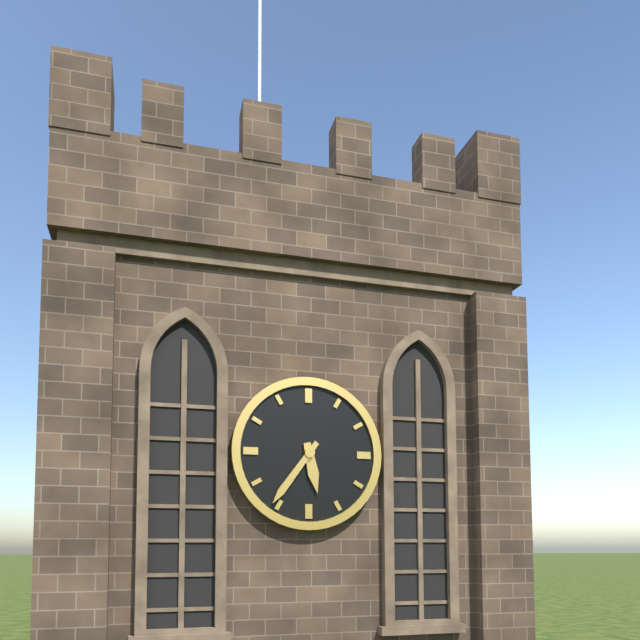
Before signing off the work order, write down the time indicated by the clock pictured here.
5:36
